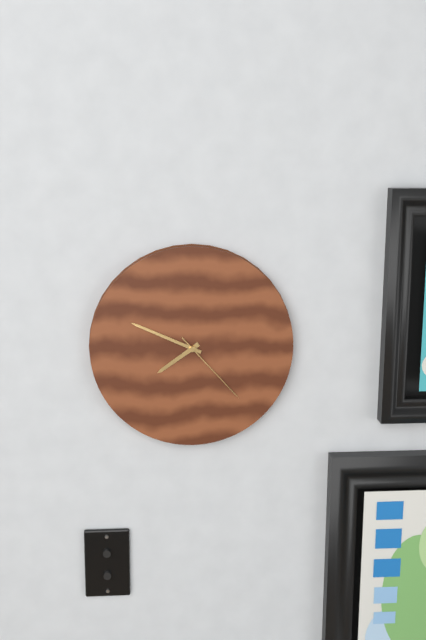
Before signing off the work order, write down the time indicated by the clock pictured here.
7:49:23
